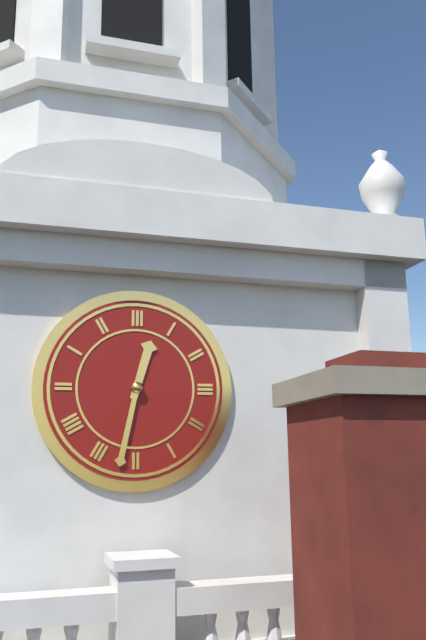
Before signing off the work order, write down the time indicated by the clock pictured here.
12:32
